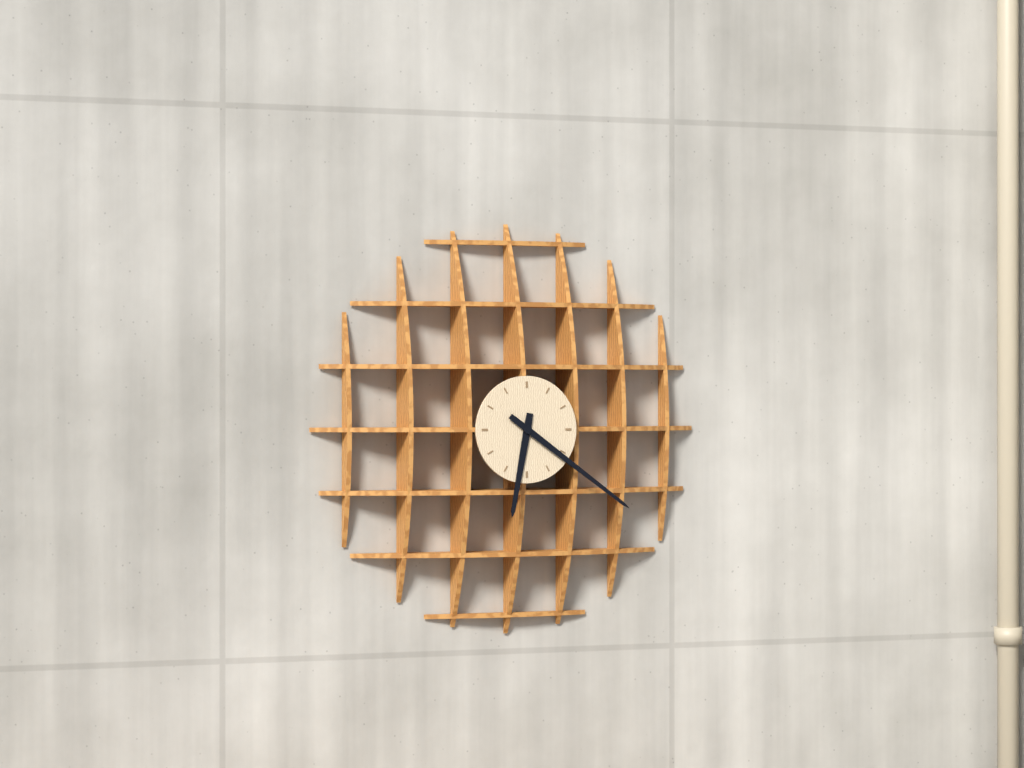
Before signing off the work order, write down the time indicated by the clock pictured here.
6:21
